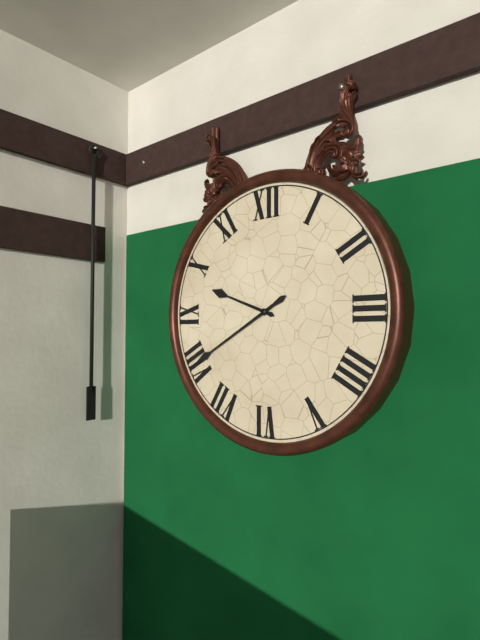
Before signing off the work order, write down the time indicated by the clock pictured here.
9:40
